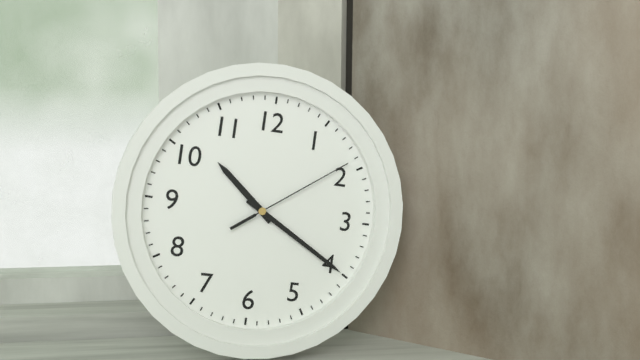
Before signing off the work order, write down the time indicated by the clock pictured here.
10:20:09
